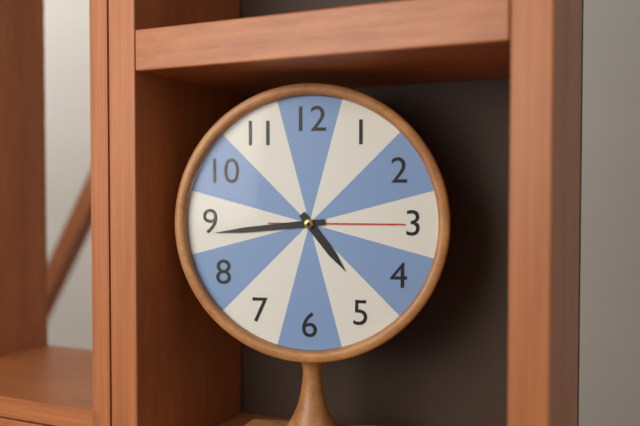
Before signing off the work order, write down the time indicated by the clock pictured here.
4:44:15
